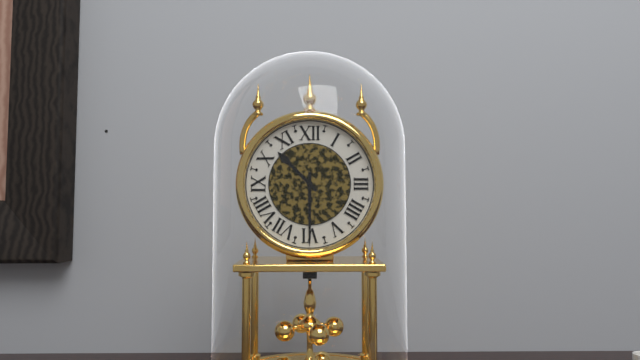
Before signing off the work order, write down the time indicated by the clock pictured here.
10:30
